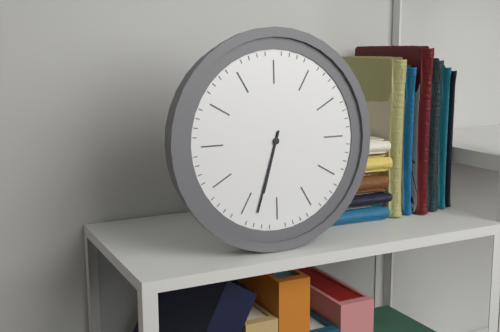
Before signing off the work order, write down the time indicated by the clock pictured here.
6:33
